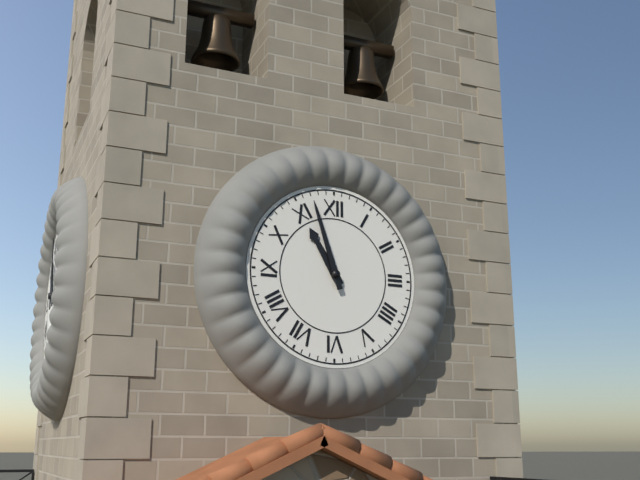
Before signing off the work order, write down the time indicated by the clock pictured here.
10:57
